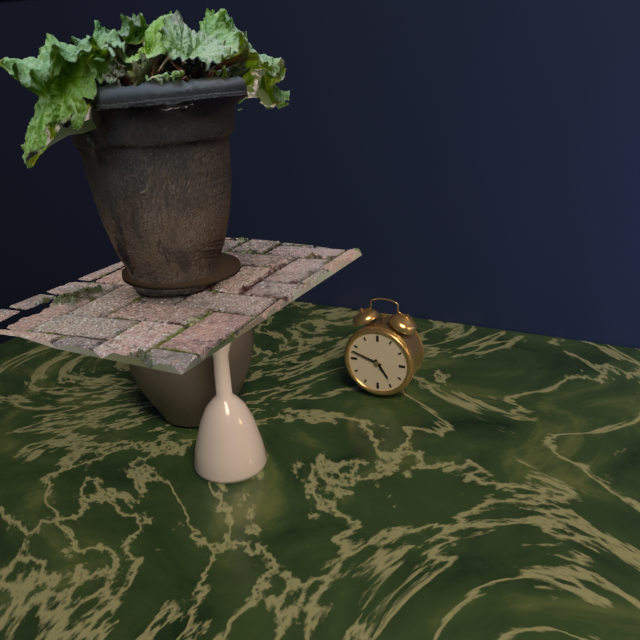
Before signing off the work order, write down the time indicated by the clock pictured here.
4:48
